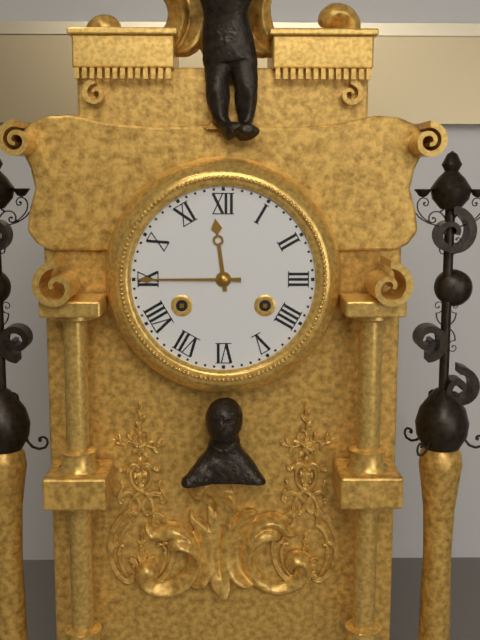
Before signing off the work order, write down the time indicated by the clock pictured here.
11:45
